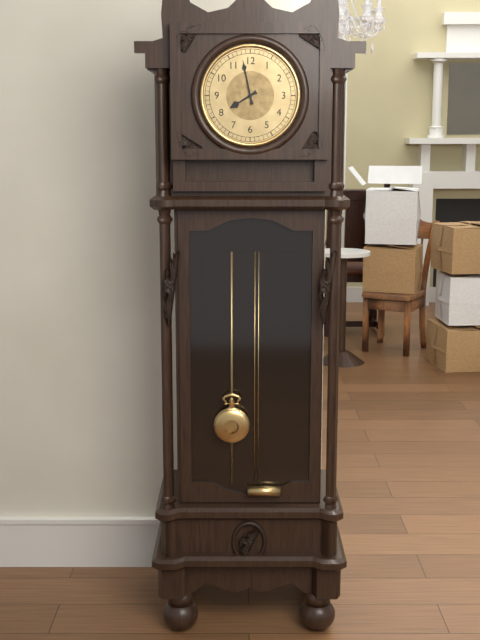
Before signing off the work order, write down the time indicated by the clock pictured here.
7:58
